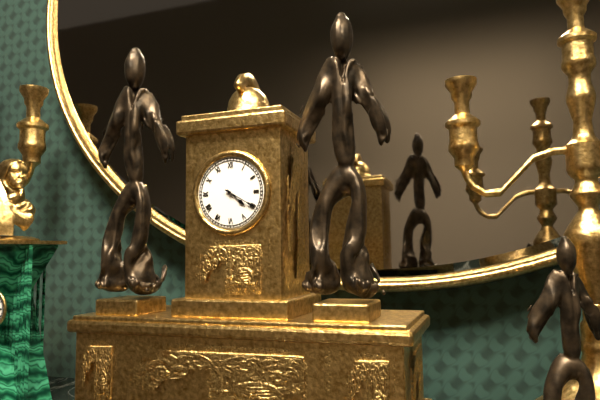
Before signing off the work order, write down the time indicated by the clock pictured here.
4:20
